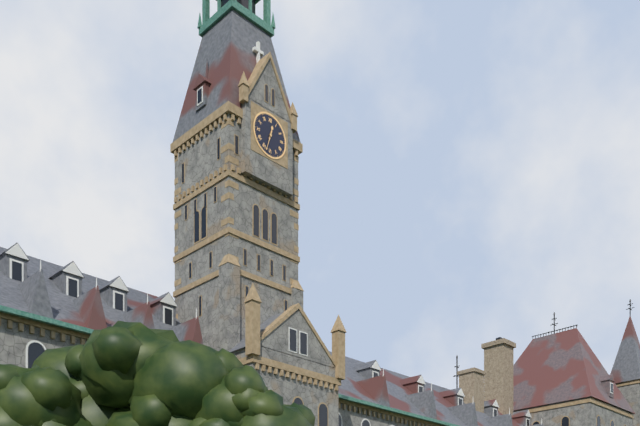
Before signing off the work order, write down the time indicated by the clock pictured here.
12:33
